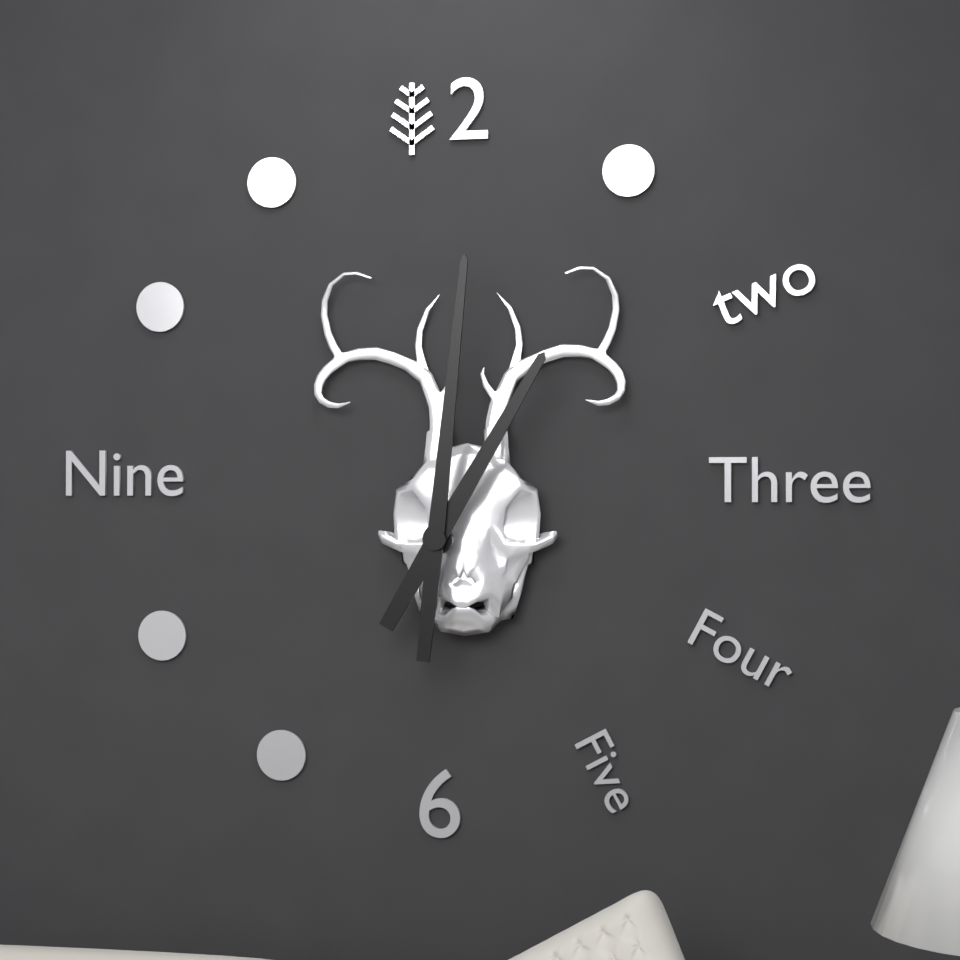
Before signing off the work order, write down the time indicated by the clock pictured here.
1:01
